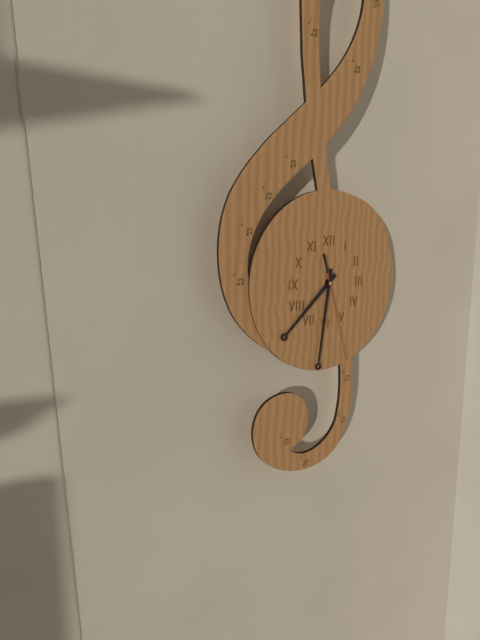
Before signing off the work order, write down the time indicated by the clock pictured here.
7:31:27
